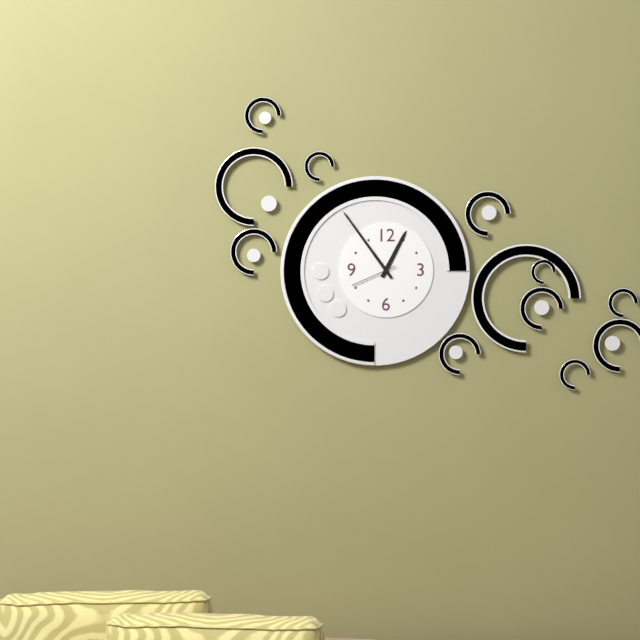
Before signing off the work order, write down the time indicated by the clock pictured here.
12:54
